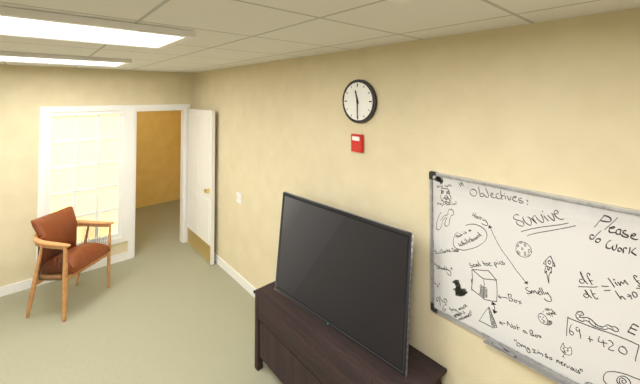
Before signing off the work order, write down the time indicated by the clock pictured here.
11:30
